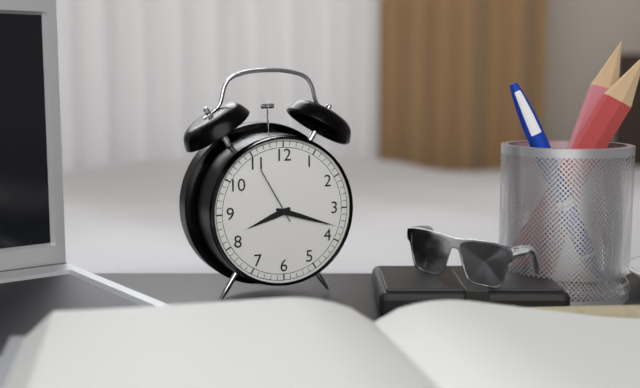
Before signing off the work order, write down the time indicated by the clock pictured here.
8:18:55
